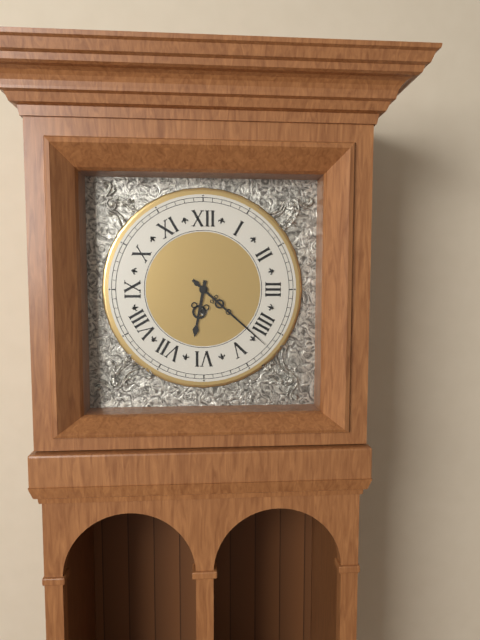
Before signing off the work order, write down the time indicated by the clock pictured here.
6:22
